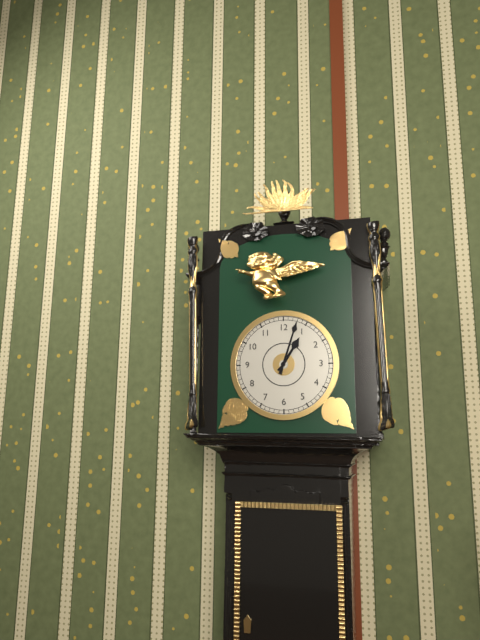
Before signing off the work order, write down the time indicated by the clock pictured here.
1:03
